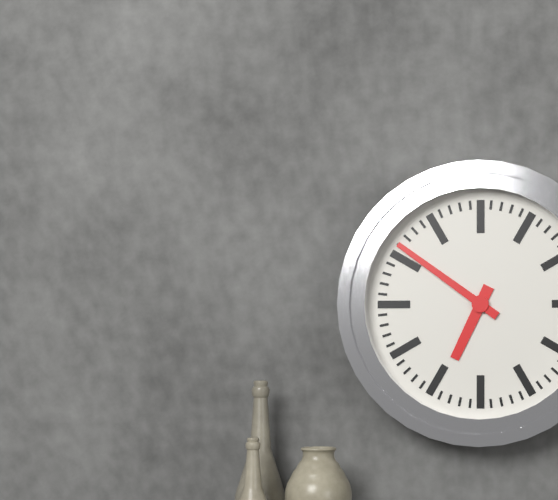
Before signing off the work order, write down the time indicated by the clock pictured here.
6:51
